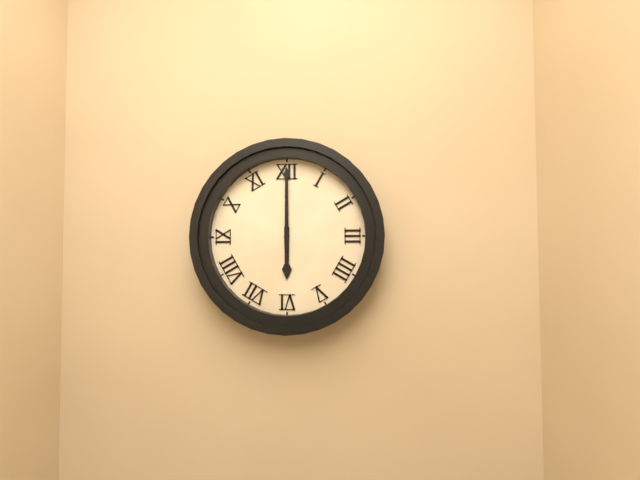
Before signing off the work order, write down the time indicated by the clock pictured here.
6:00
